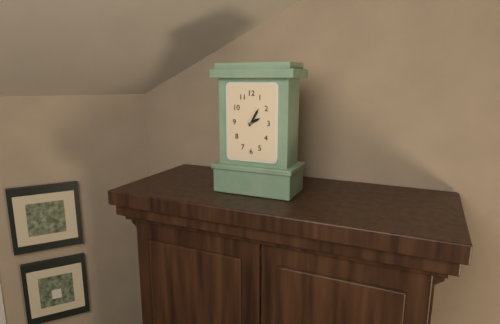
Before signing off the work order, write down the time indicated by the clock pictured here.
2:05
